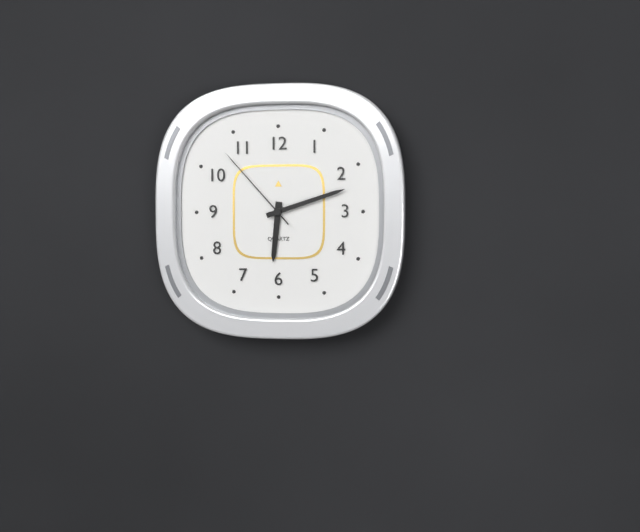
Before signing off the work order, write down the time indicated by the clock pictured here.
6:12:53
